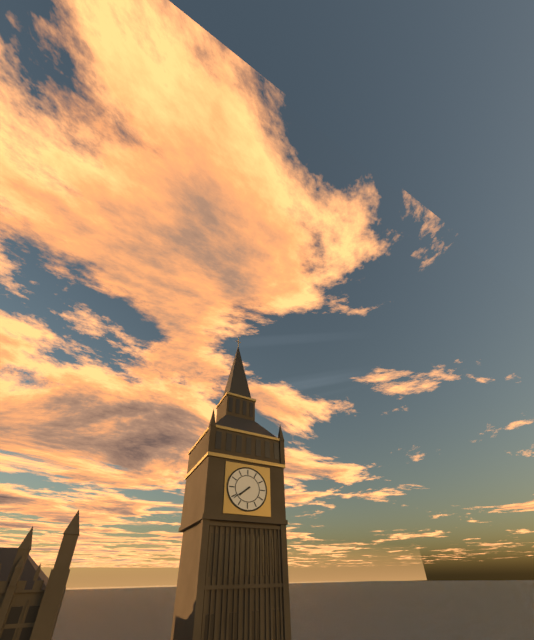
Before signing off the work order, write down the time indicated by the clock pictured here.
7:39
